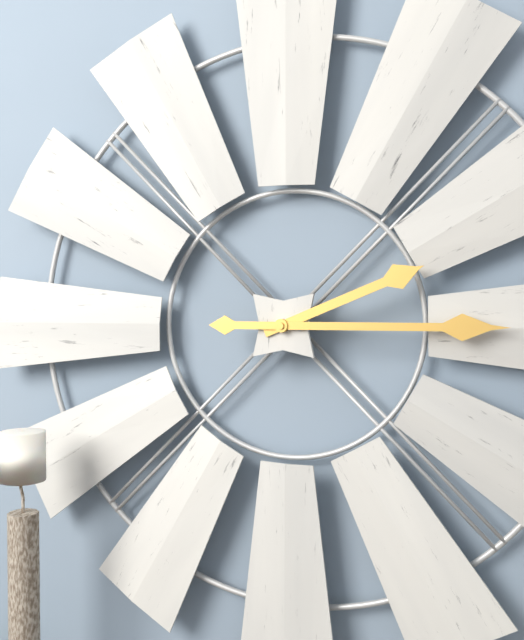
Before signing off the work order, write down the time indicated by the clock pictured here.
2:15
